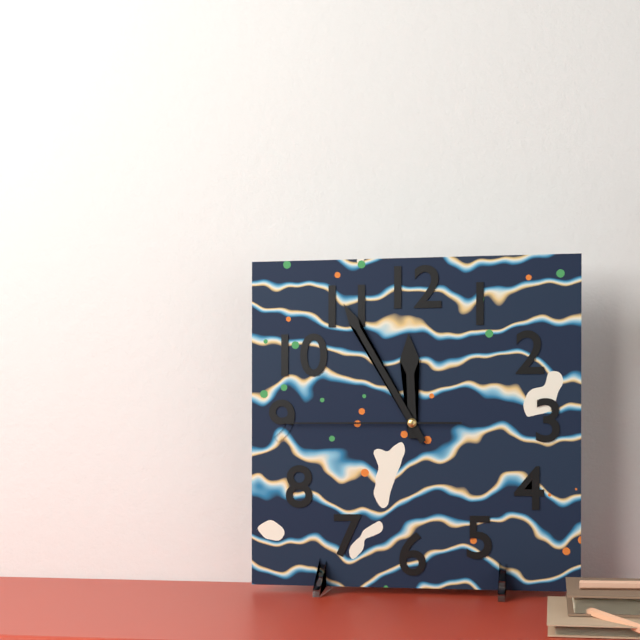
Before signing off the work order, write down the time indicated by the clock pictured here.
11:55:45
